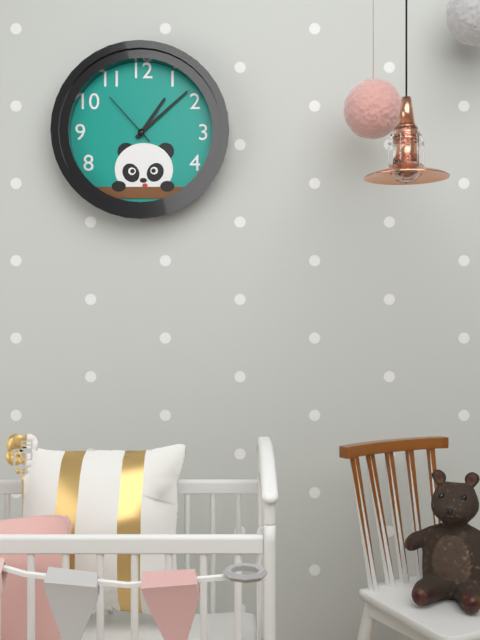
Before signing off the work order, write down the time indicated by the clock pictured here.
1:08:53
